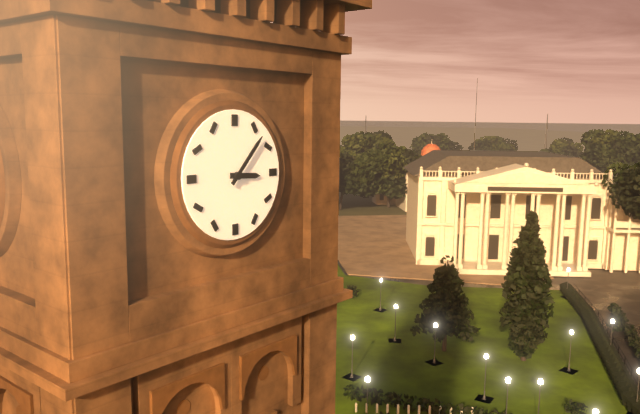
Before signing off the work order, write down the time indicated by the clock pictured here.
3:07
